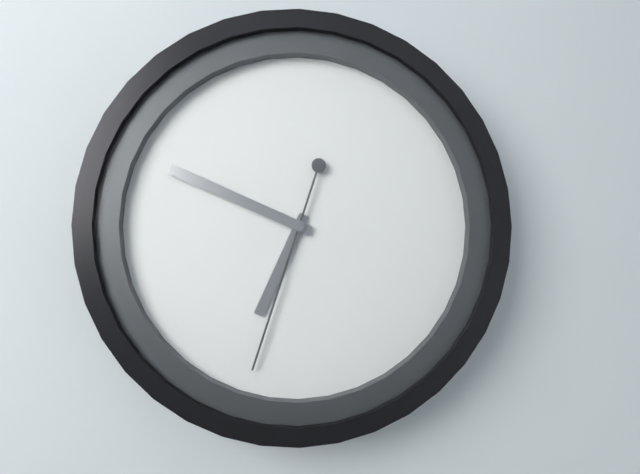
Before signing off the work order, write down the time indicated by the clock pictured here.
6:49:33
